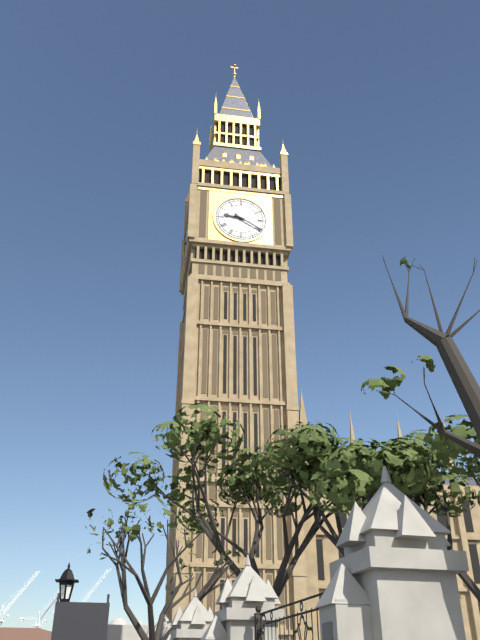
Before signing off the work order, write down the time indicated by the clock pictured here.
9:20
